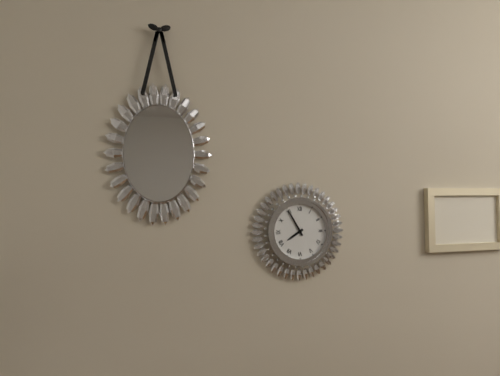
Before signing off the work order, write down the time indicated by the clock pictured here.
7:55
